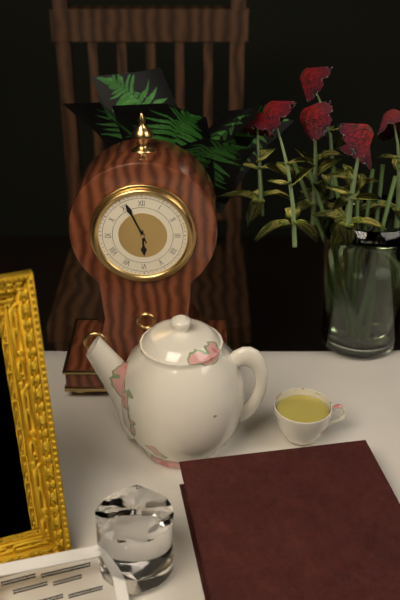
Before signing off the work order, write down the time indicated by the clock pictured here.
5:56
